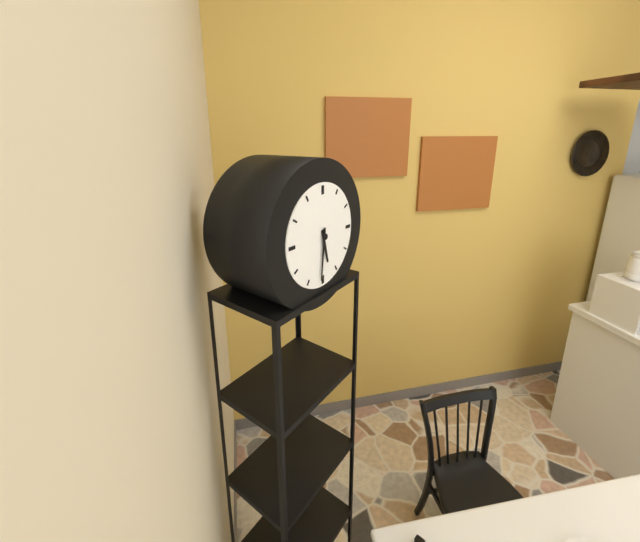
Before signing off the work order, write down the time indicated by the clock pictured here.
5:31
